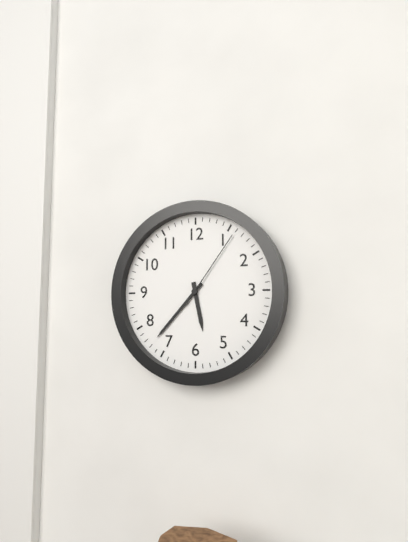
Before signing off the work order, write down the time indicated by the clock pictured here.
5:37:06
